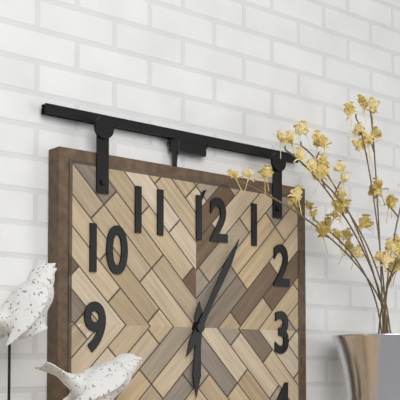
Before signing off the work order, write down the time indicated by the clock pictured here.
6:05
